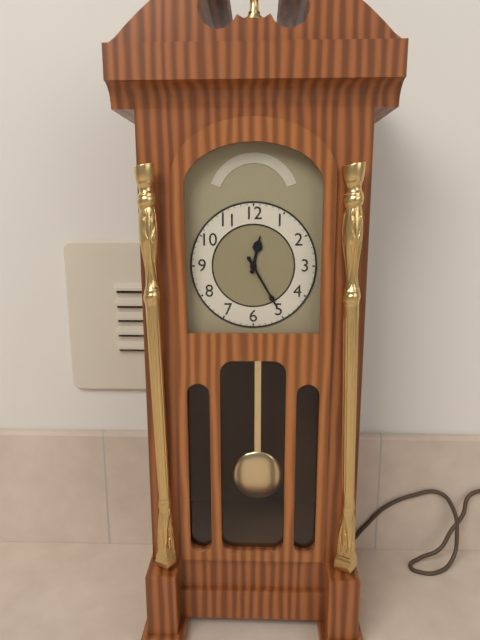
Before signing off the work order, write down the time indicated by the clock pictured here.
12:25
